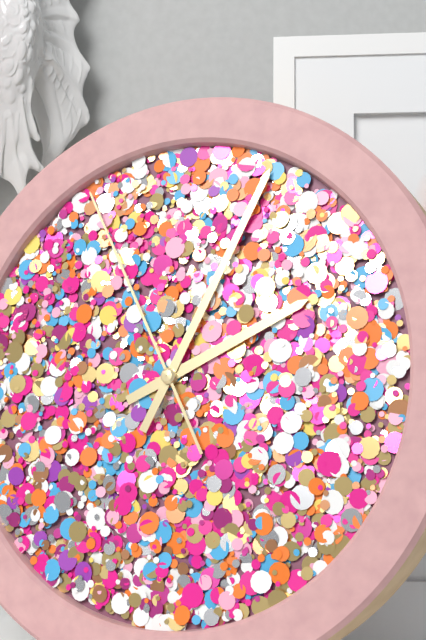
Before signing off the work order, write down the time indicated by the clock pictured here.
2:04:55
